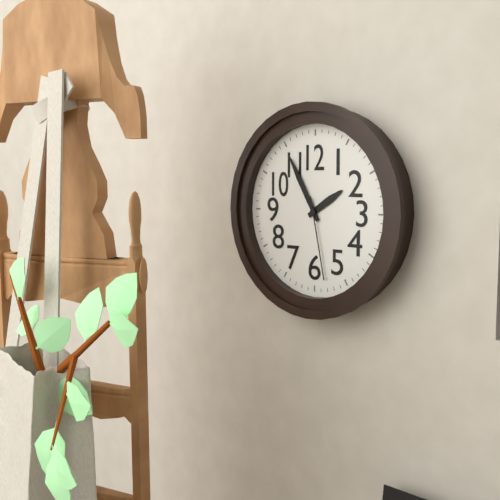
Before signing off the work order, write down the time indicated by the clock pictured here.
1:55:28
